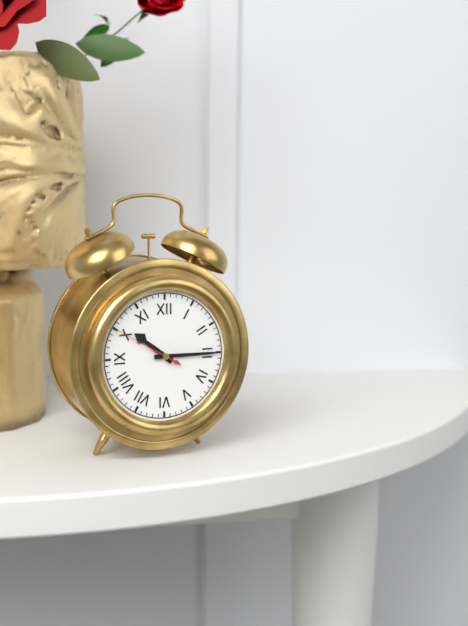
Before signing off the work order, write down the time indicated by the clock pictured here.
10:15:50
